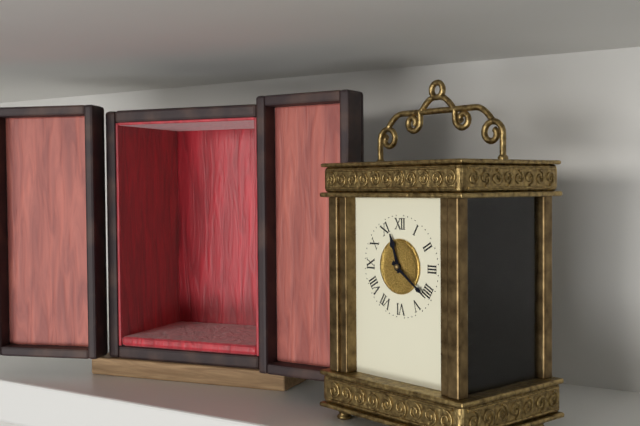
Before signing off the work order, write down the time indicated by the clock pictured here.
11:21
